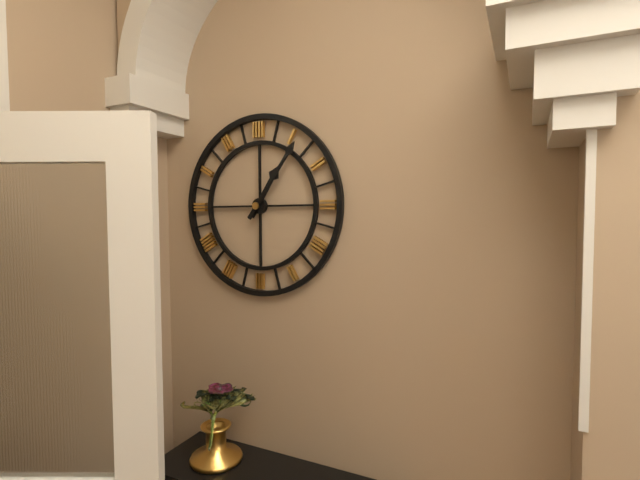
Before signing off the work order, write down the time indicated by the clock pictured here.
1:06
